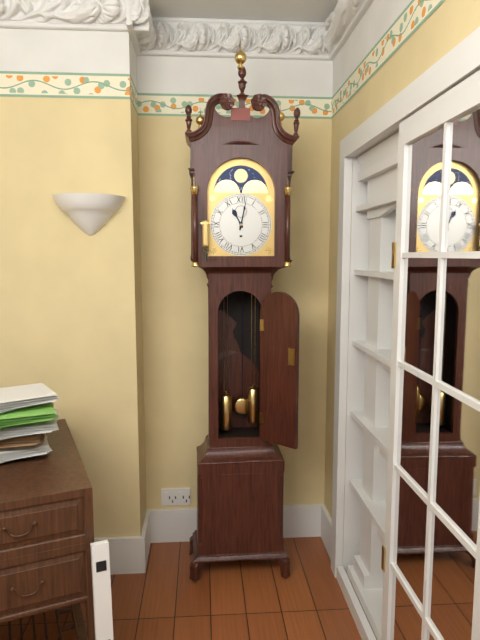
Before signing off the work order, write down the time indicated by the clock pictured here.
11:02
